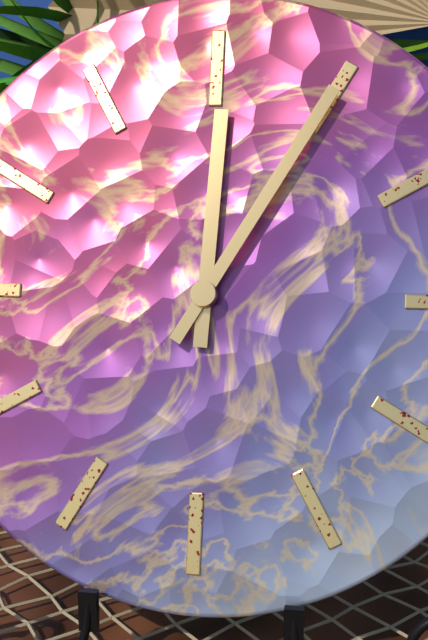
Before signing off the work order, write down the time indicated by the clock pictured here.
12:05
